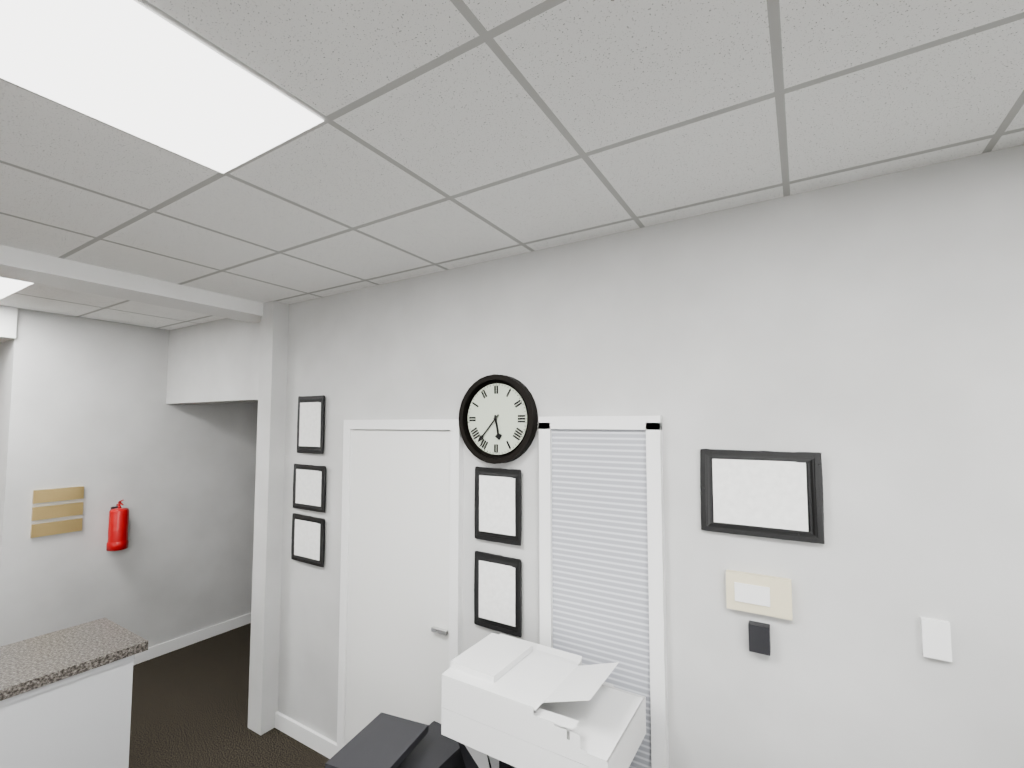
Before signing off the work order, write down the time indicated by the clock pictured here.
5:37
